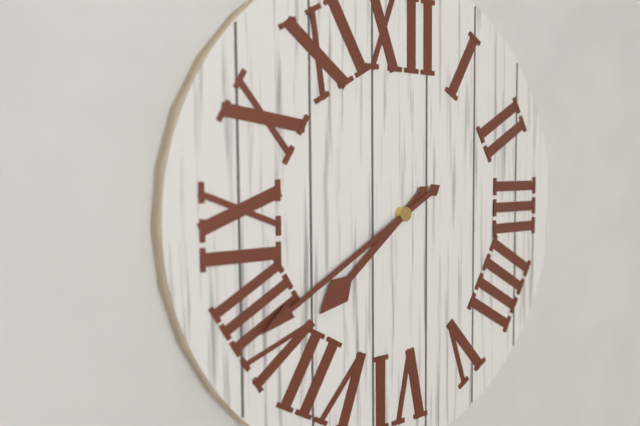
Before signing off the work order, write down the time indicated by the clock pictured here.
7:40
